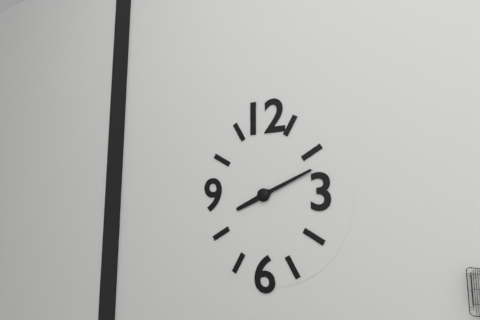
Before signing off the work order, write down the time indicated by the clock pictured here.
8:11
